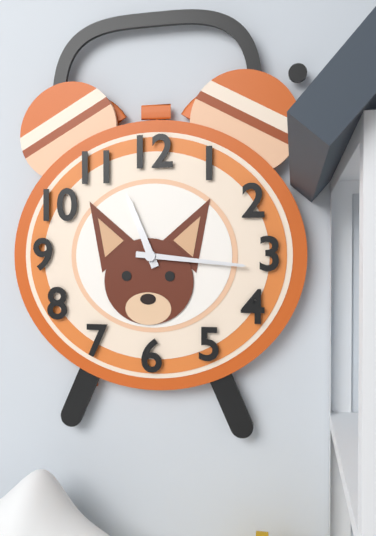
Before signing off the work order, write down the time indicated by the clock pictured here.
11:16
